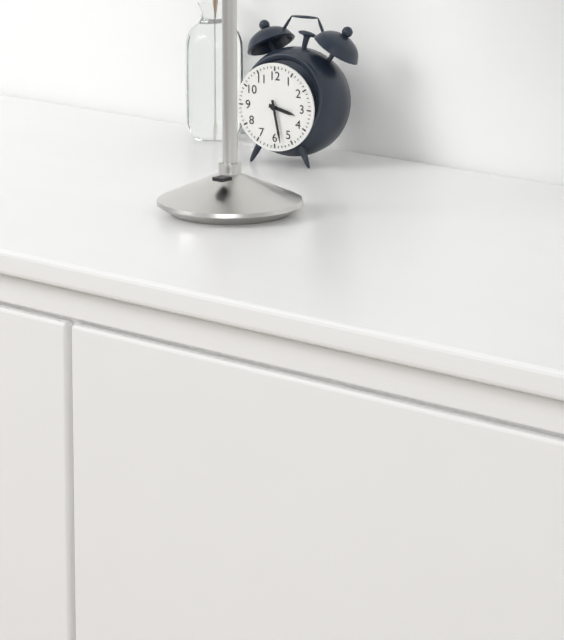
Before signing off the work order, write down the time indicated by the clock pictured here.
3:28
